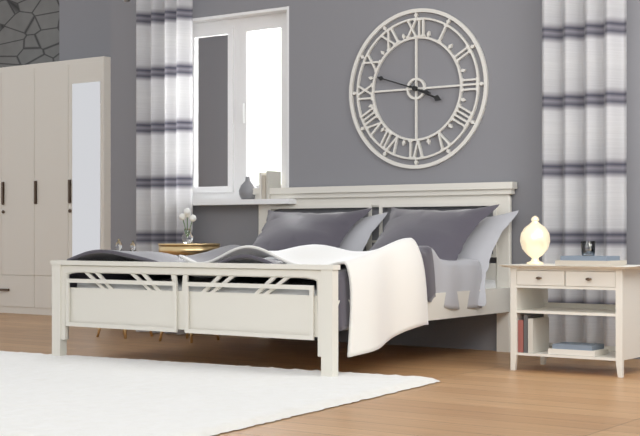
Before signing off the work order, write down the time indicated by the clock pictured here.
3:48
